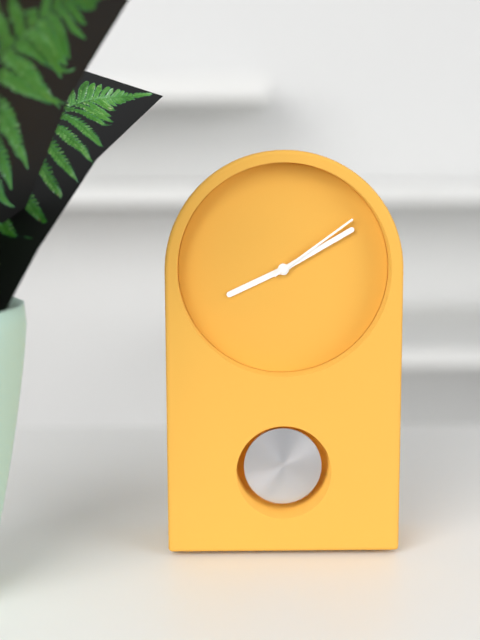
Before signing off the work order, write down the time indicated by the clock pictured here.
8:10:09
